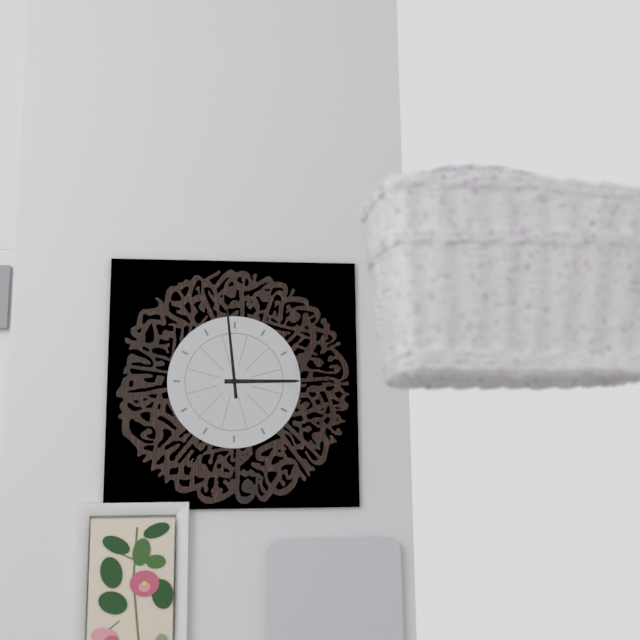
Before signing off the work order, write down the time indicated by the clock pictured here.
2:59
